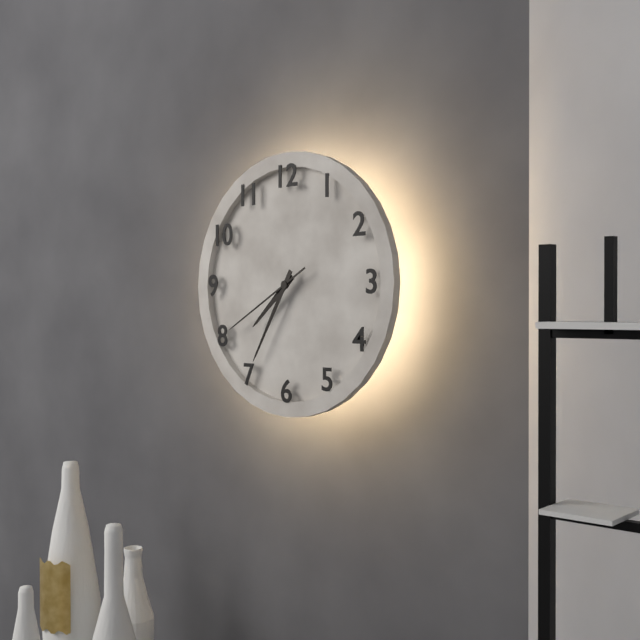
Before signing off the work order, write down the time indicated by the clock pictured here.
7:35:40
